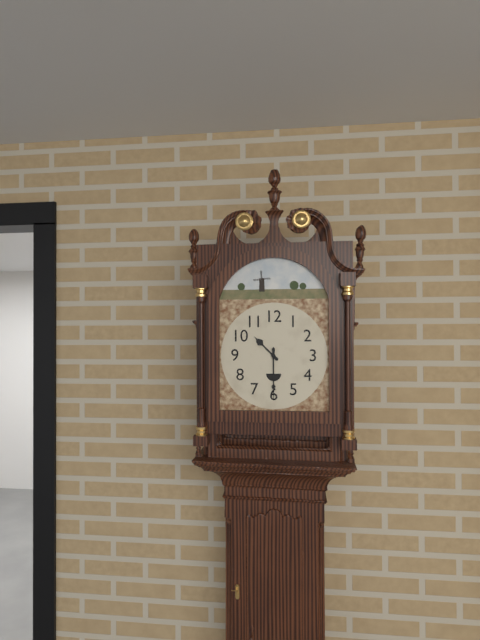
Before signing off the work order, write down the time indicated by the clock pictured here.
10:30
